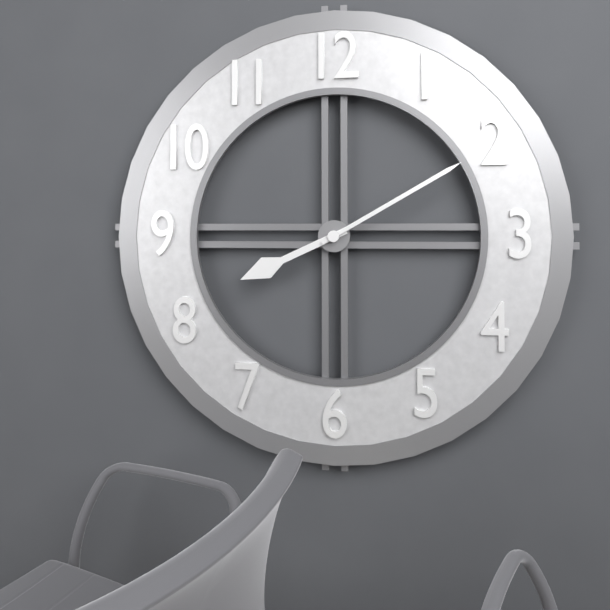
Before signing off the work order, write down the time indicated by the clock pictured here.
8:10
